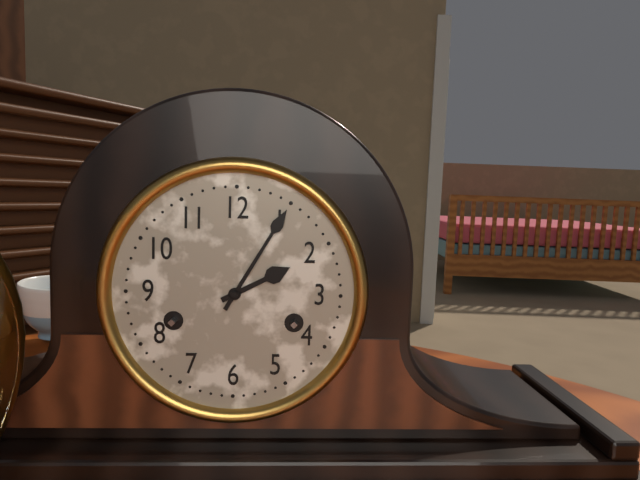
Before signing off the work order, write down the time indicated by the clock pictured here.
2:05
